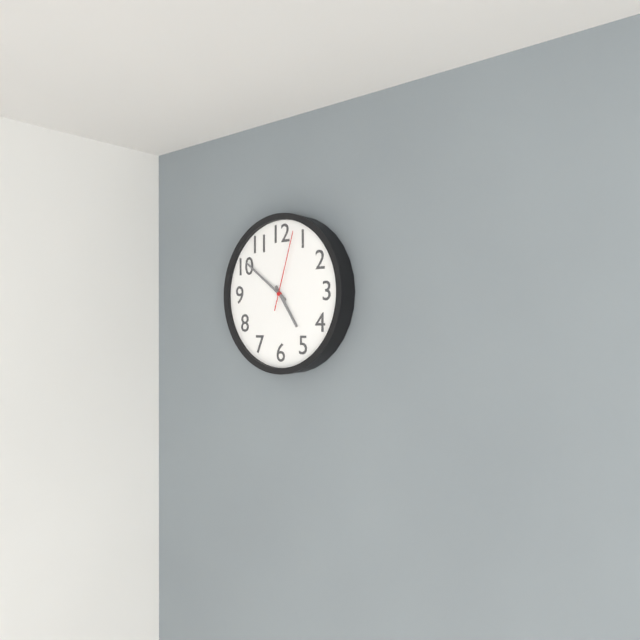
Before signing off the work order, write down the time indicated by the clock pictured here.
4:51:03
